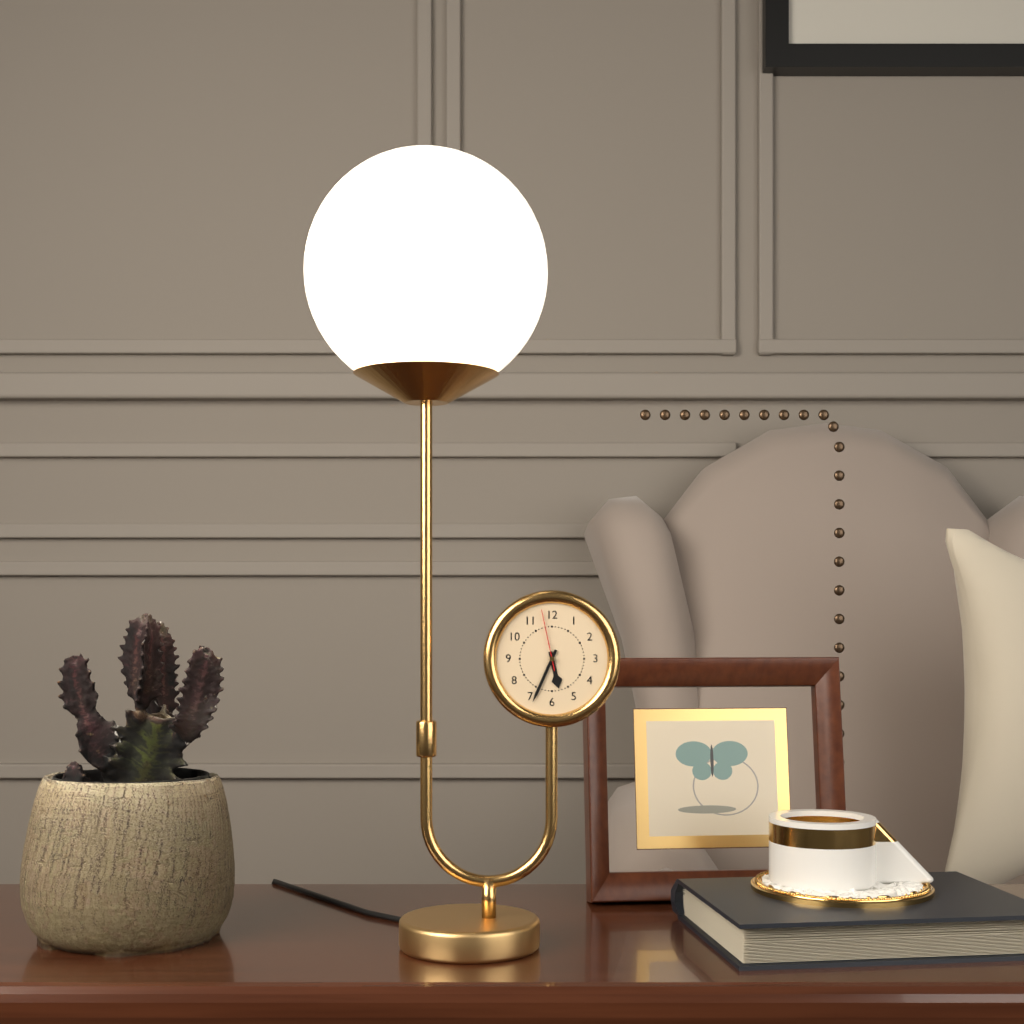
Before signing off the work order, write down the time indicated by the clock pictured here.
5:34:58
